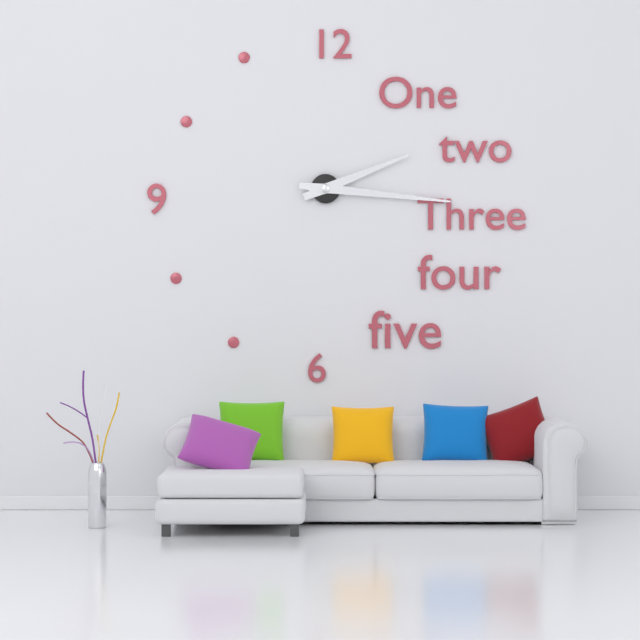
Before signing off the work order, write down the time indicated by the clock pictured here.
2:16
